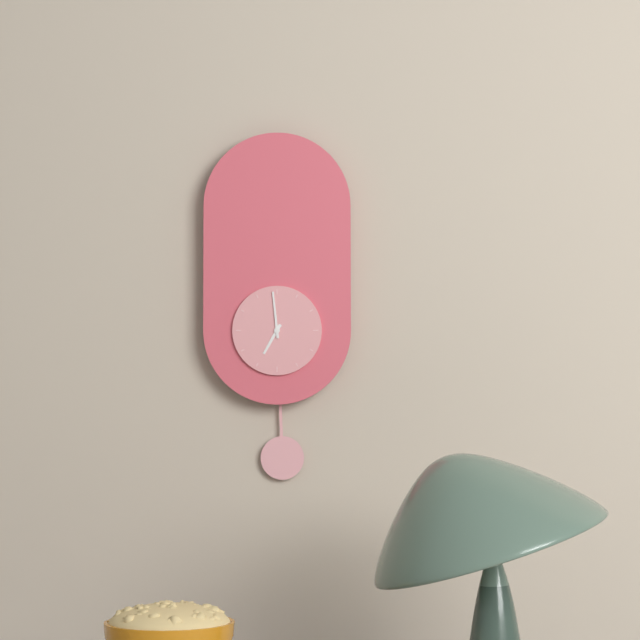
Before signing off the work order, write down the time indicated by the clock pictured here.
6:59
